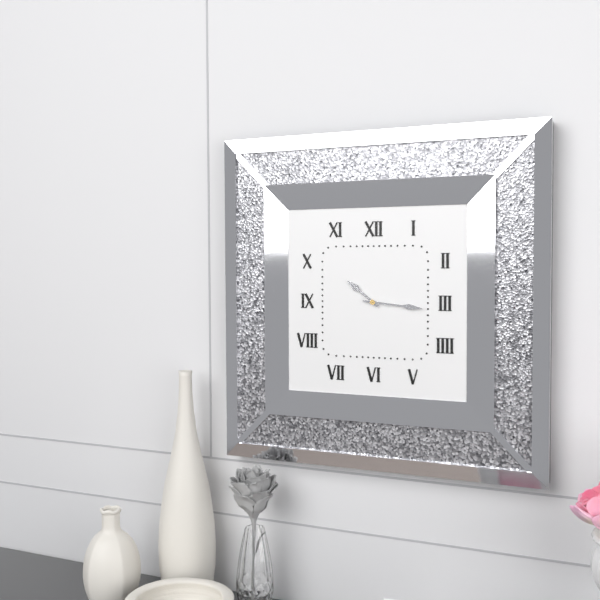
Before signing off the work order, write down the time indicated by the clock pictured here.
10:16
